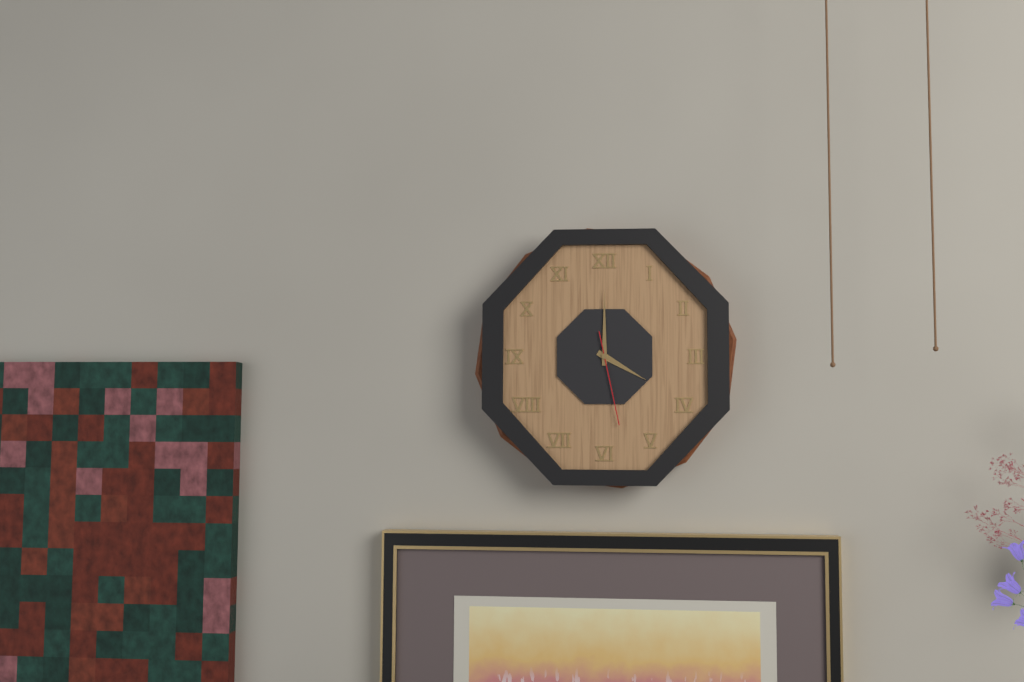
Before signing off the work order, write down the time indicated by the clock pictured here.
4:00:28
